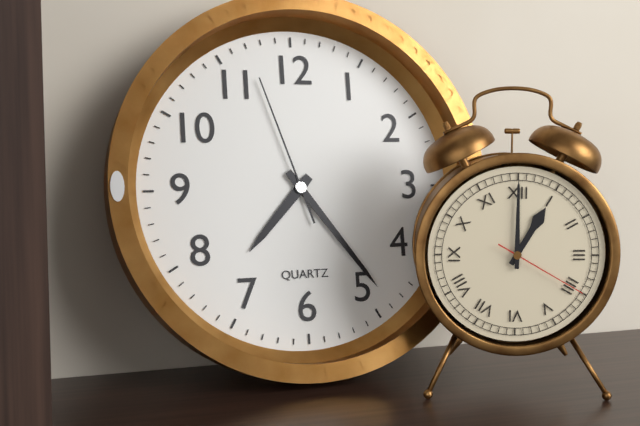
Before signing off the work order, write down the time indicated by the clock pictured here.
7:24:57
